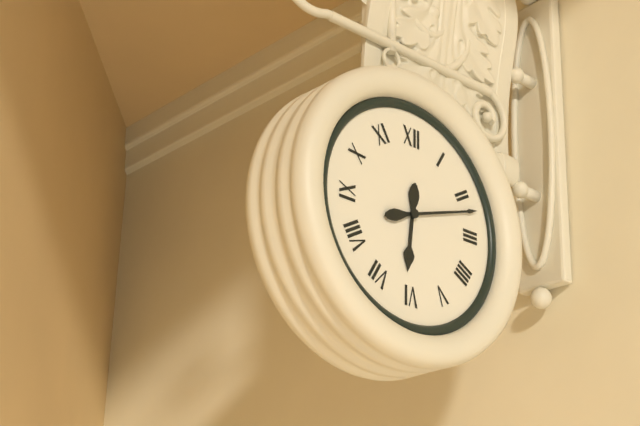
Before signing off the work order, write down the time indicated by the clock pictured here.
6:12
